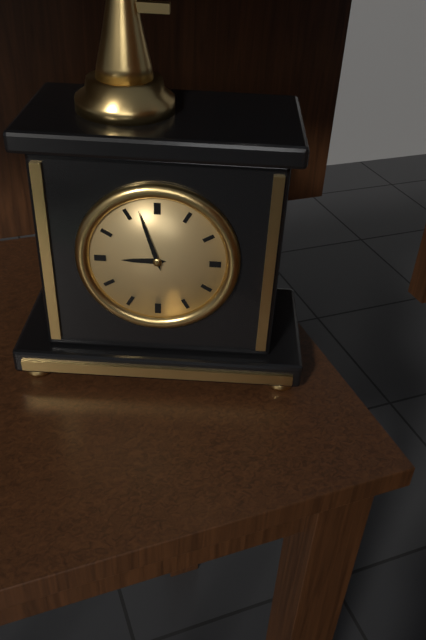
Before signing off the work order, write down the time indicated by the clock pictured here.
8:57
